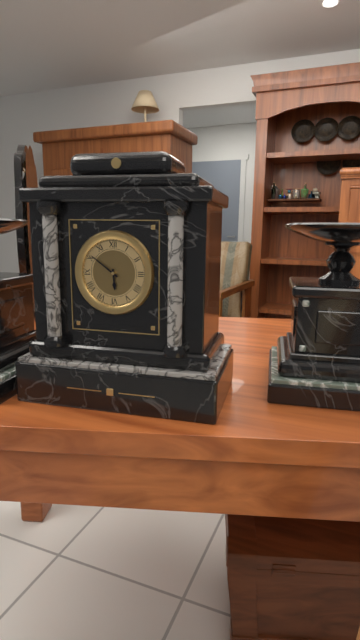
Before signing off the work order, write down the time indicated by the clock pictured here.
5:51
